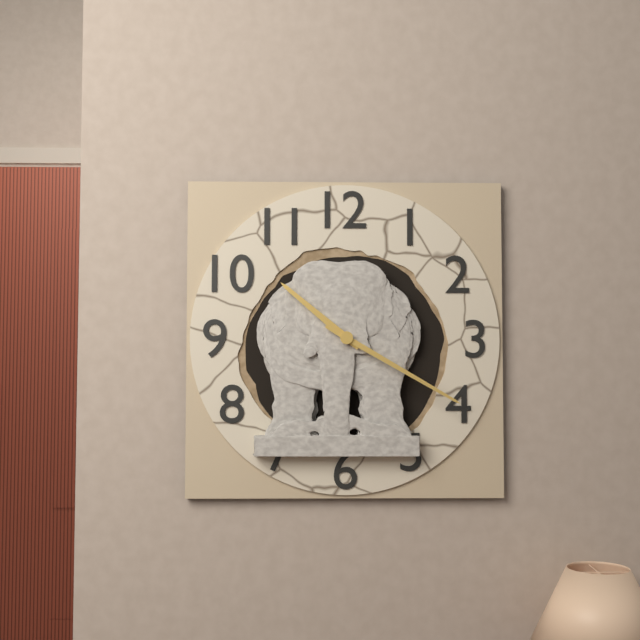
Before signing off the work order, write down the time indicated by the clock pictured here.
10:20
